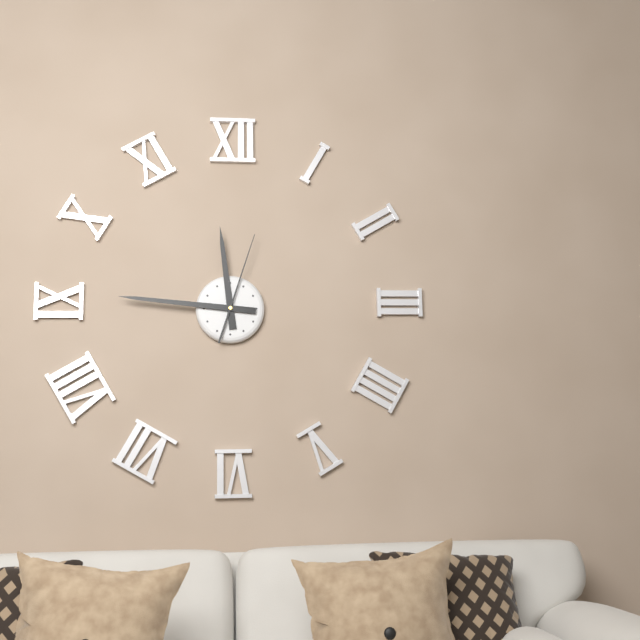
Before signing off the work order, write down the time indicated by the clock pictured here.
11:46:03
